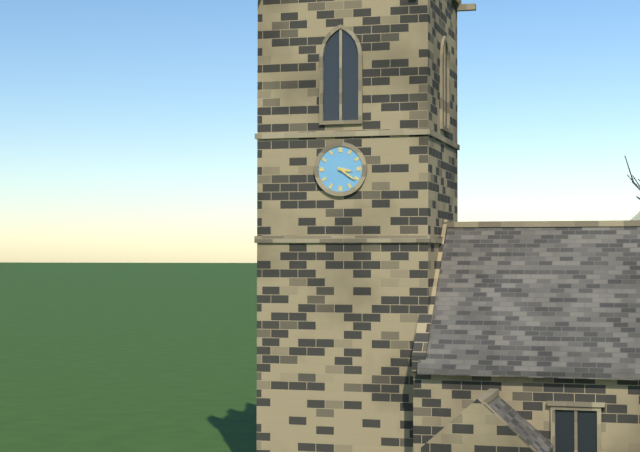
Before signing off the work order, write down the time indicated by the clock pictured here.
3:21
